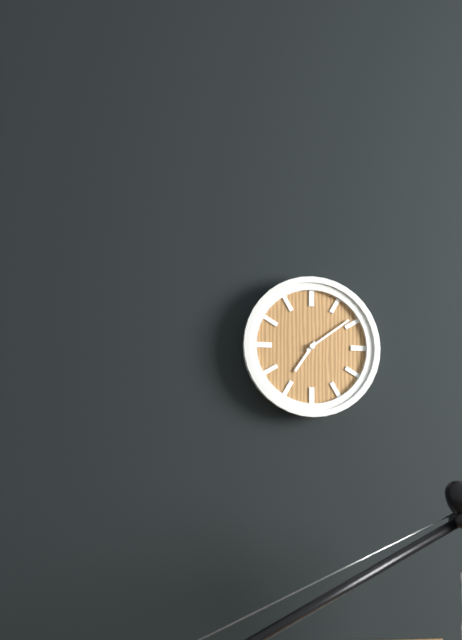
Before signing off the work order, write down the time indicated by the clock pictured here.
7:09
